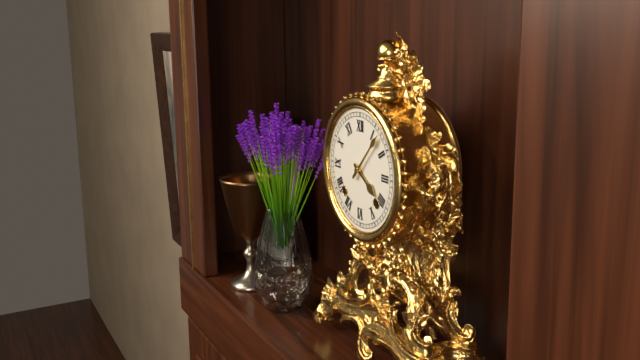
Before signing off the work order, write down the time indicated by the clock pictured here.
4:07
